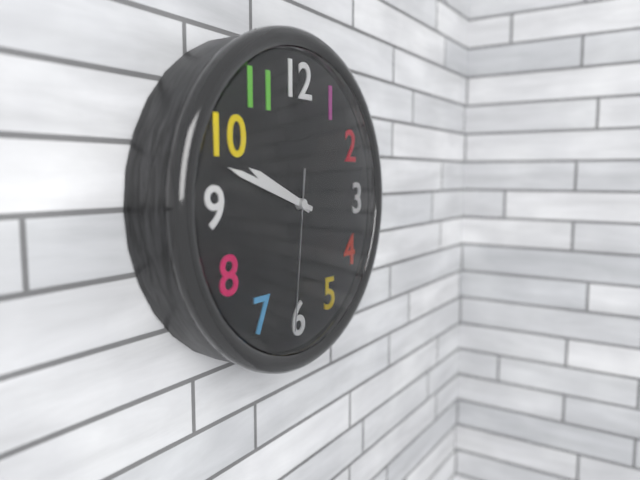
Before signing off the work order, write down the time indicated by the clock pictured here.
9:48:31
